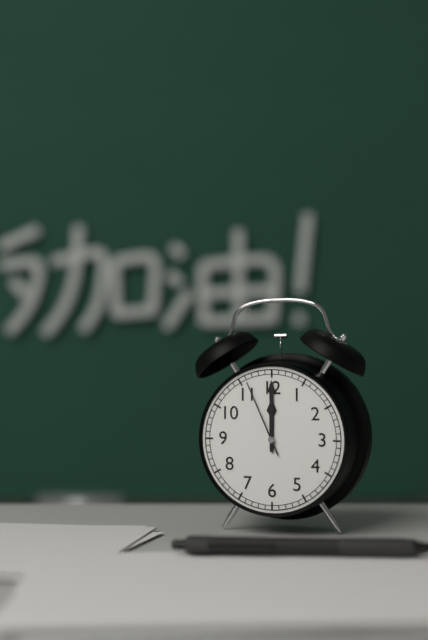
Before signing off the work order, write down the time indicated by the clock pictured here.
12:00:56
